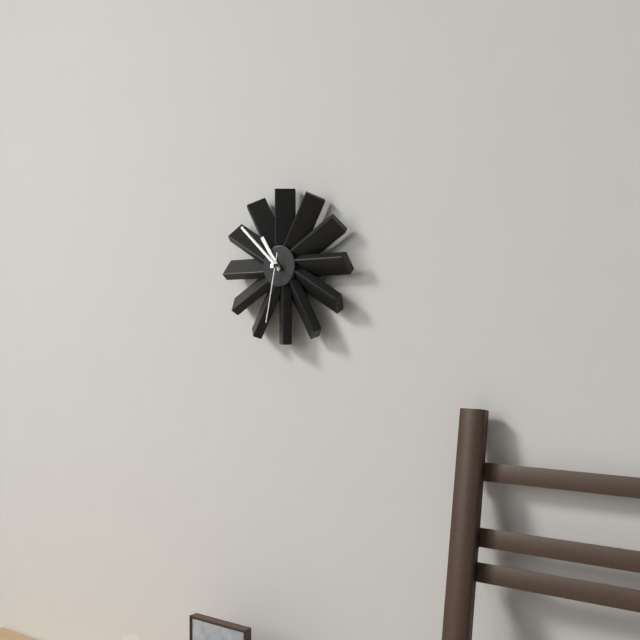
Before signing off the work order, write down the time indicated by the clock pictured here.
10:52:32
